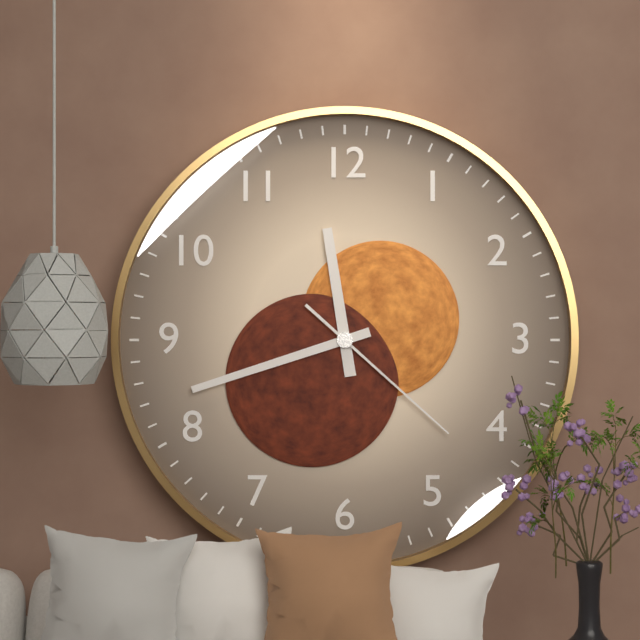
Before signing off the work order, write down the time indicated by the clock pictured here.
11:42:22
